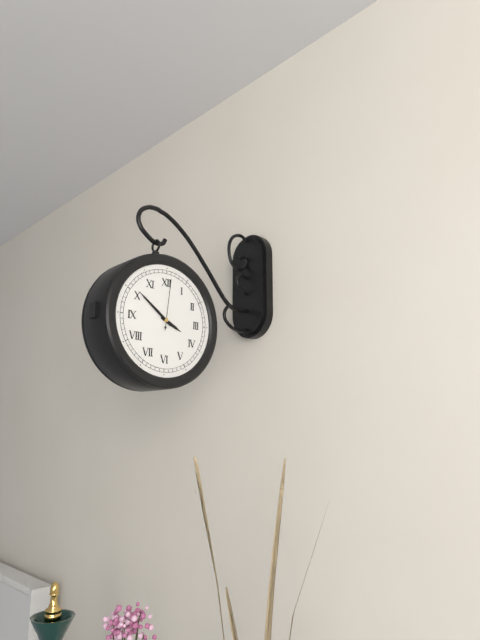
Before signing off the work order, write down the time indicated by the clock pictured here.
3:51:01
